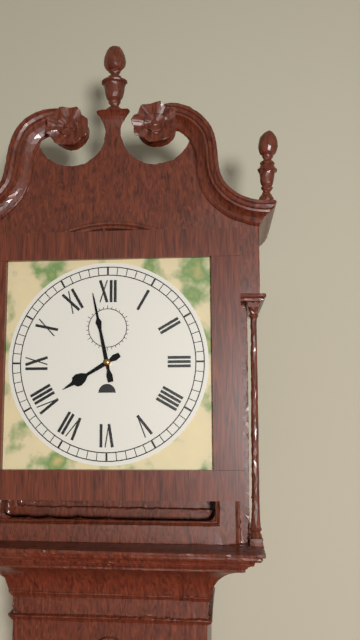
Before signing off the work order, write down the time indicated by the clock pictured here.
7:58
